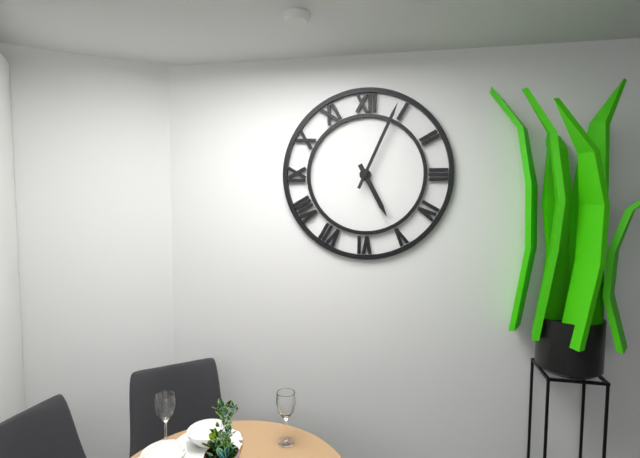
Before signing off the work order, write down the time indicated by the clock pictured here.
5:04
